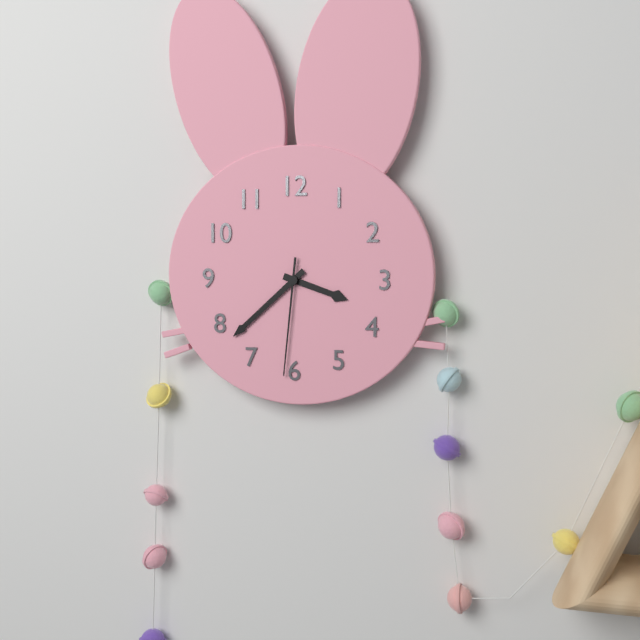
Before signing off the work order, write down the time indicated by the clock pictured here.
3:38:31
